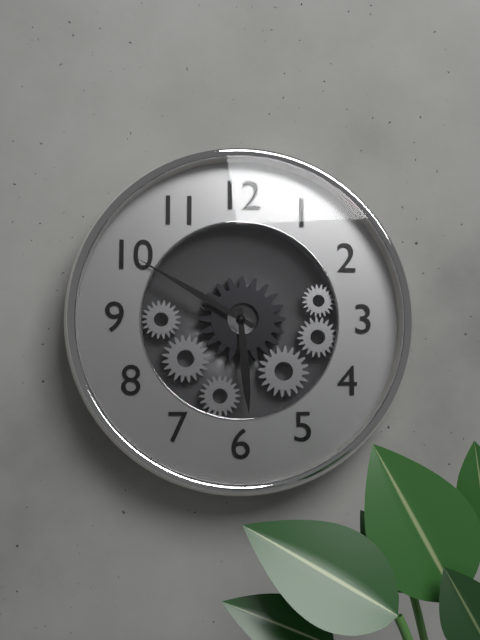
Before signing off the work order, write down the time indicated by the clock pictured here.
5:50
